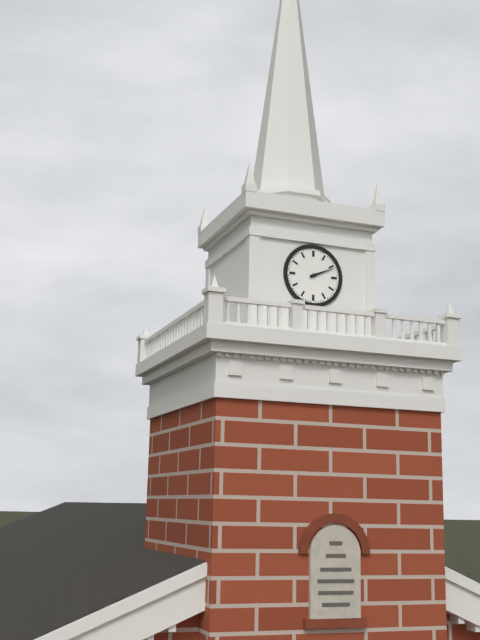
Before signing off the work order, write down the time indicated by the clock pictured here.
2:11
